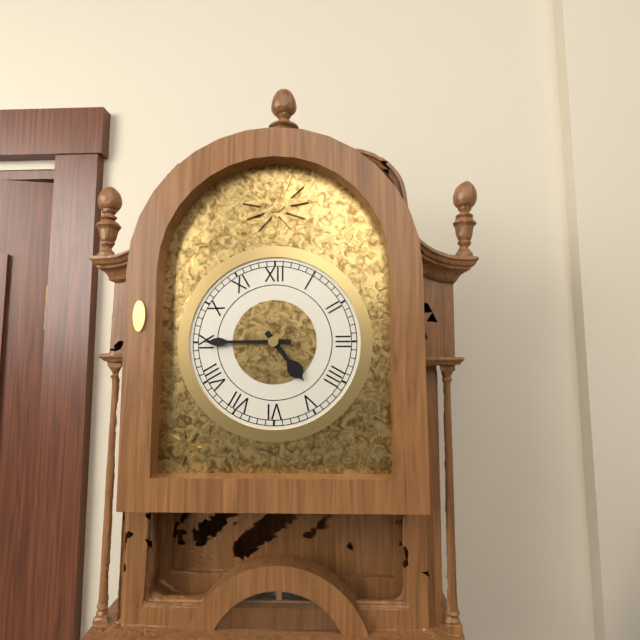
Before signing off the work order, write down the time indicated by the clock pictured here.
4:45
